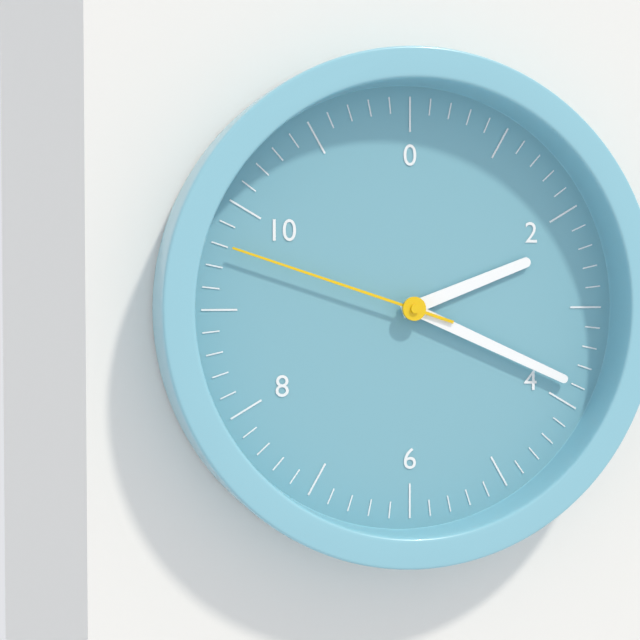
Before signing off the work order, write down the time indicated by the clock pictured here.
2:19:48
